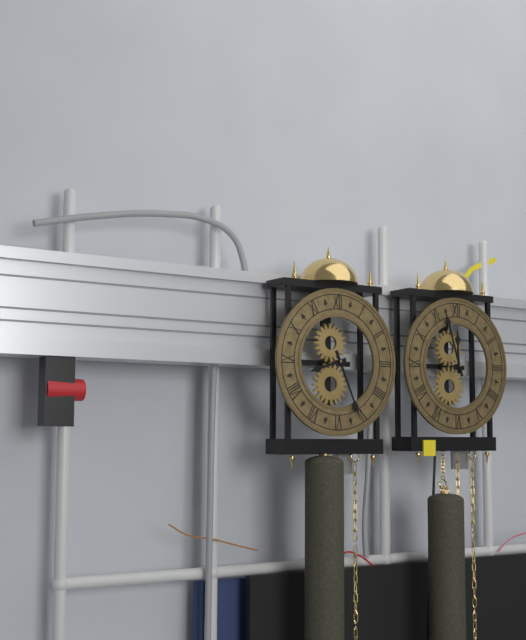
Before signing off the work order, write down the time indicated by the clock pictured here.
8:26
